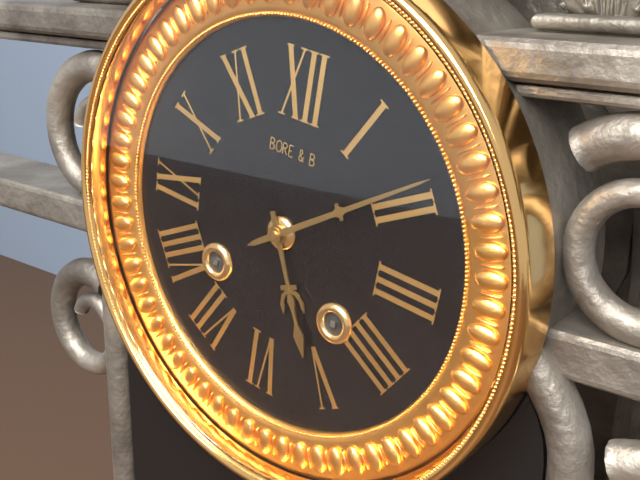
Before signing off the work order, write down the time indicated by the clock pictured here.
5:09
